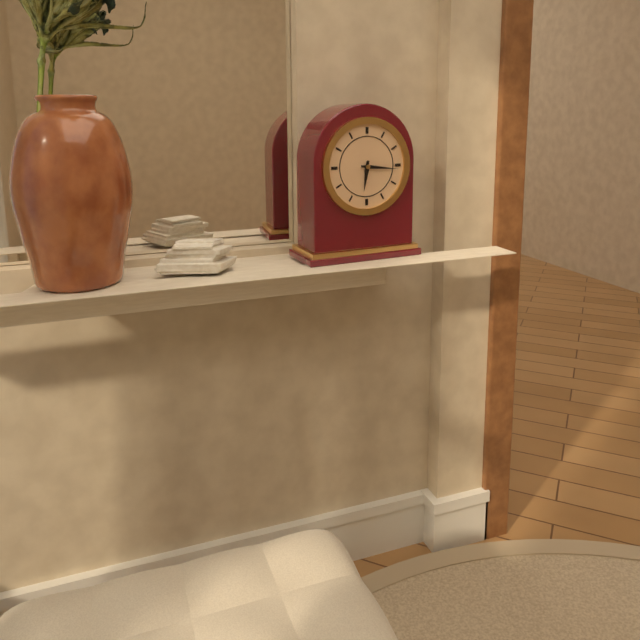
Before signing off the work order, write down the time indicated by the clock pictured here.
6:16
